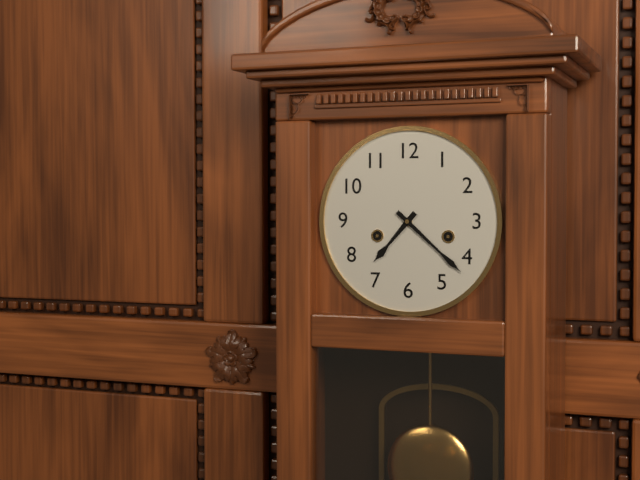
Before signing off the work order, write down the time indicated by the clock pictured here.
7:22
